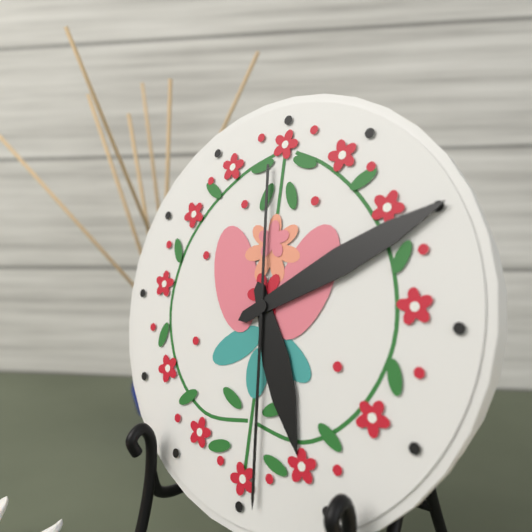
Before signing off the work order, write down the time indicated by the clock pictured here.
5:10:29
